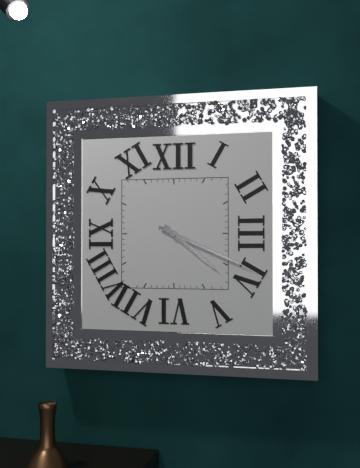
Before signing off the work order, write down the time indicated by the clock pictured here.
4:19
